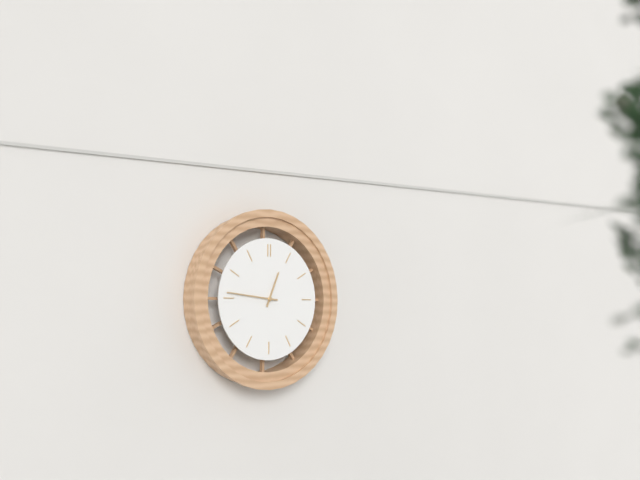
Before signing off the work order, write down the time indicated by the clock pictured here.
12:46
